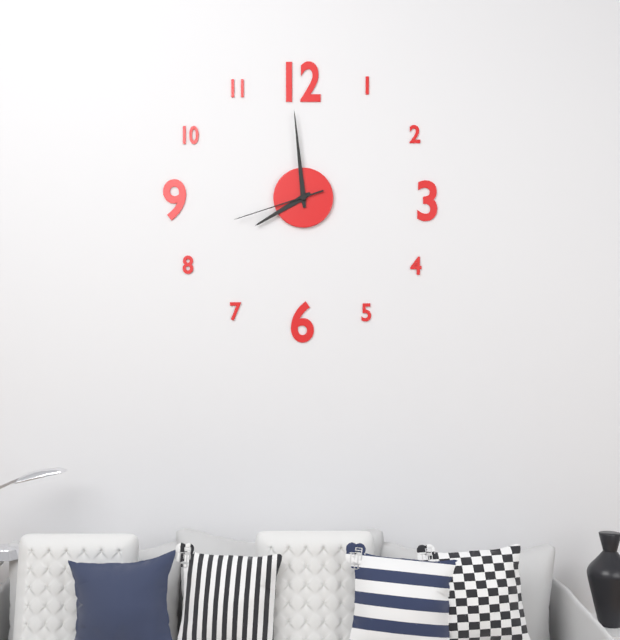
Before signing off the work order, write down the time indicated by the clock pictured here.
7:59:42
